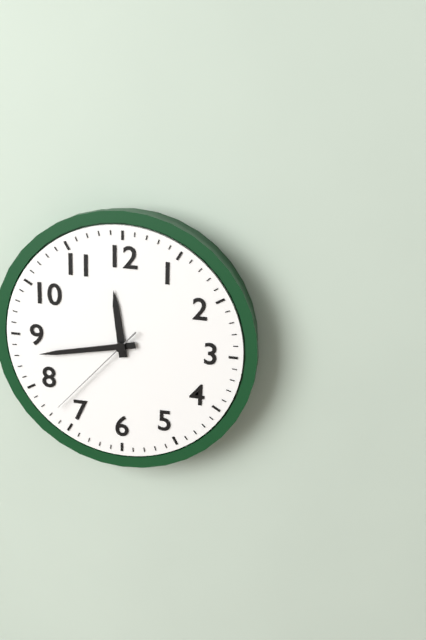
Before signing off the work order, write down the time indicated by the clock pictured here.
11:43:37
